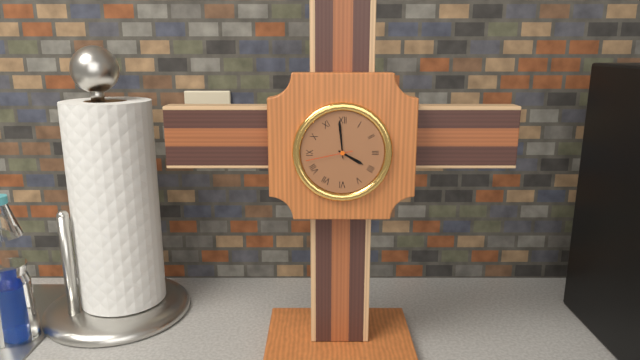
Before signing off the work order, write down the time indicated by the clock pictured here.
3:59
